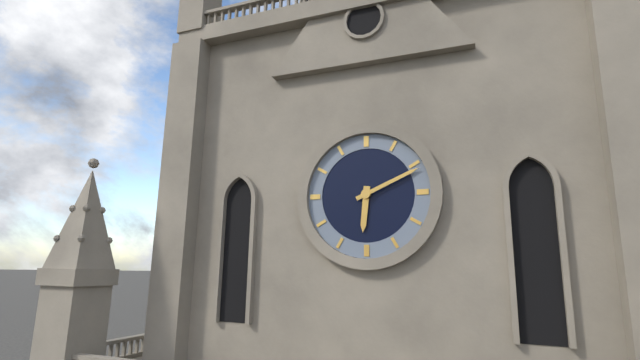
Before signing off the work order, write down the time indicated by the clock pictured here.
6:11
